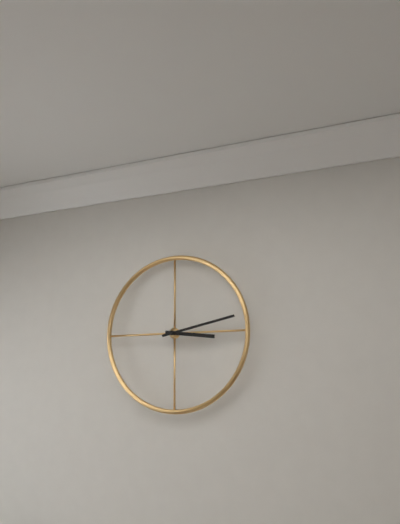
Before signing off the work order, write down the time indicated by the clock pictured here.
3:13
